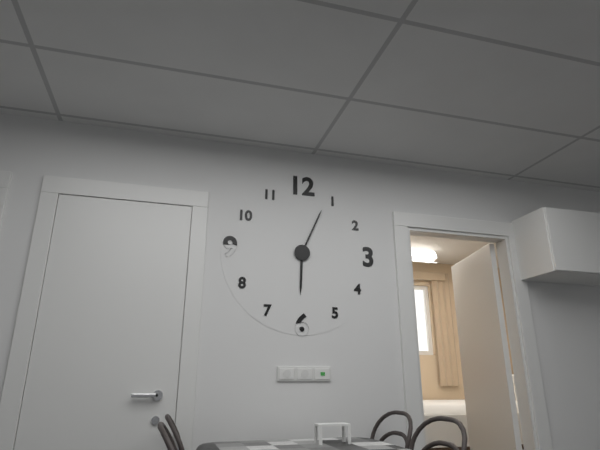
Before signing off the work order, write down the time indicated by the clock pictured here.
6:04
